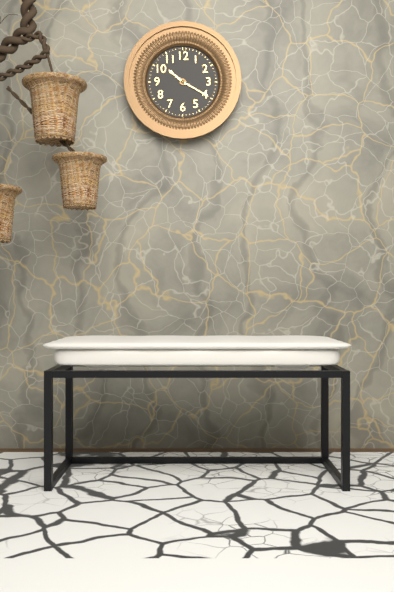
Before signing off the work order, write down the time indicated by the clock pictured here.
10:20
